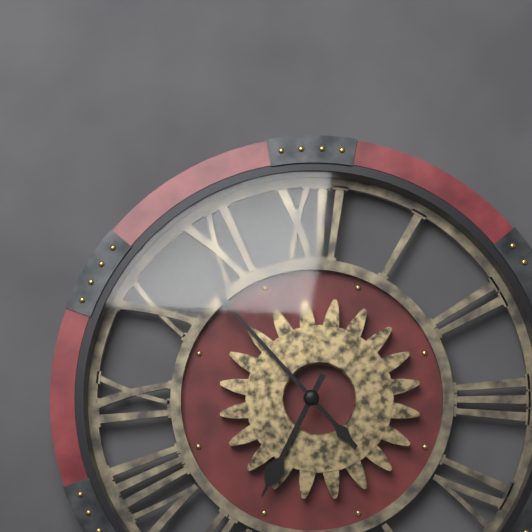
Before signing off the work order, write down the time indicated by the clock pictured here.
6:53
